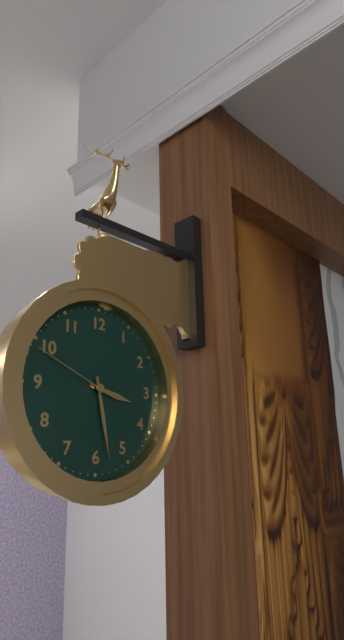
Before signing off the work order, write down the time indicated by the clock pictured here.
3:28:49
